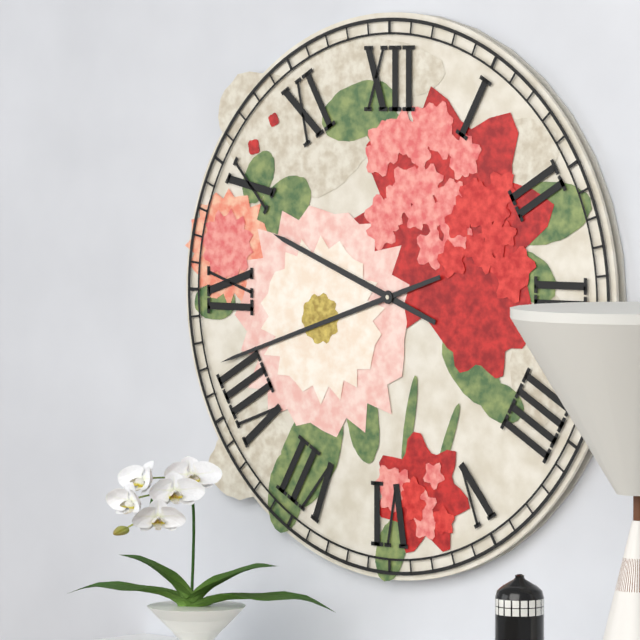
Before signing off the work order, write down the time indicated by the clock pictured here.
9:42
